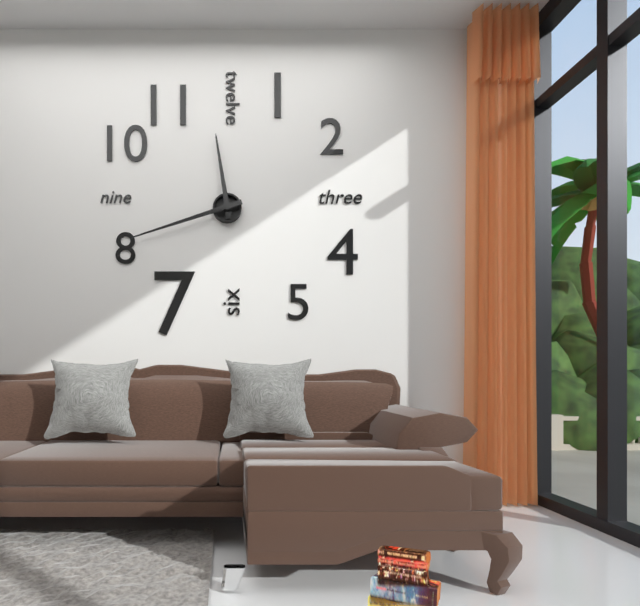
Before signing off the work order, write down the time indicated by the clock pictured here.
11:42
